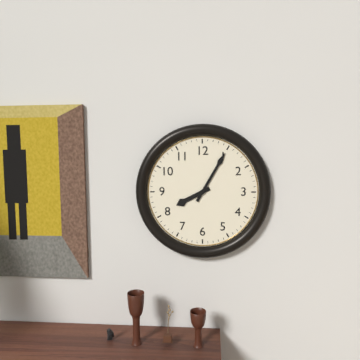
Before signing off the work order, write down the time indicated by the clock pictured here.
8:05
